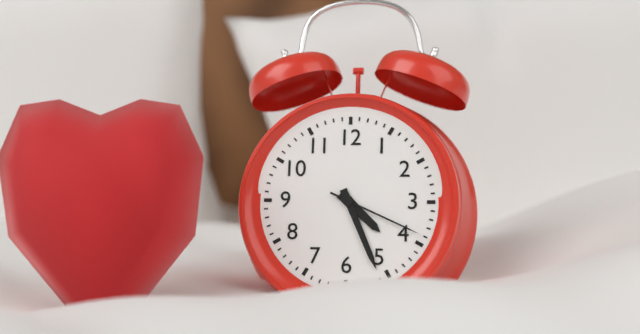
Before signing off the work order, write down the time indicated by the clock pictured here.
4:26:19
